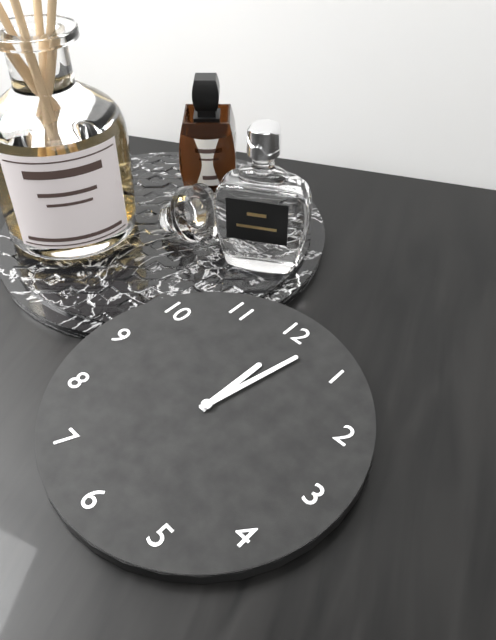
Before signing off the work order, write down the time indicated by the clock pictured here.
12:02
